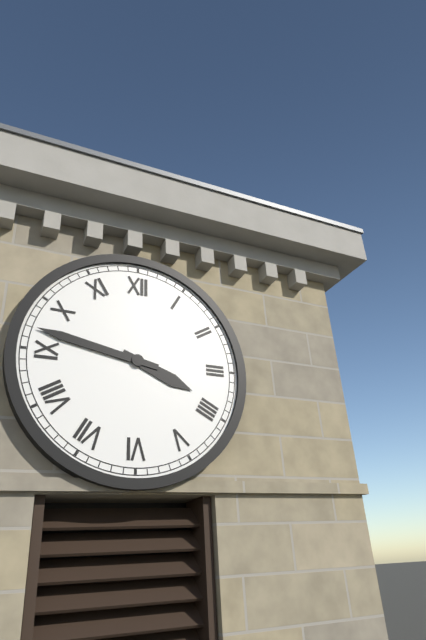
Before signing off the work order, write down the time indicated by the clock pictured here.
3:47
